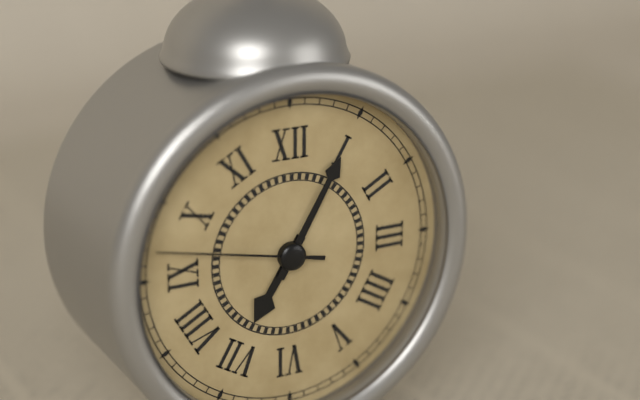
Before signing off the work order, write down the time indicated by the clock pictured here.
7:05:47
